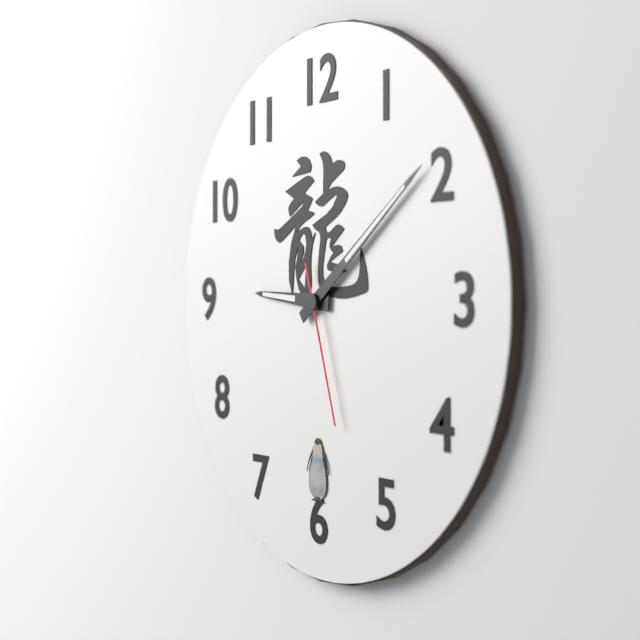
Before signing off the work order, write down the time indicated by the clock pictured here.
9:09:27
